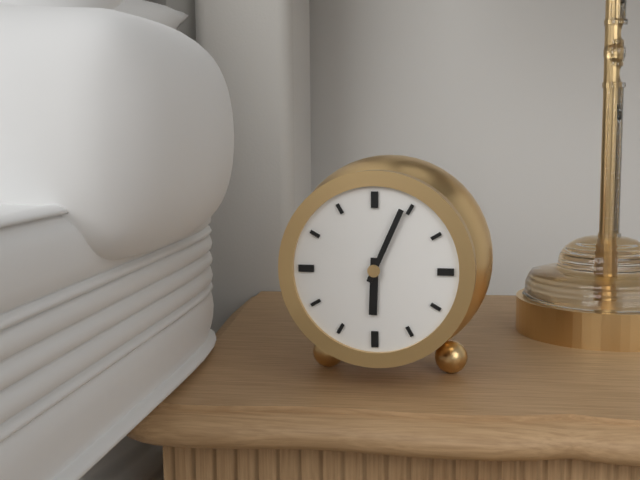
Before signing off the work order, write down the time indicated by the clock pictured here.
6:04
